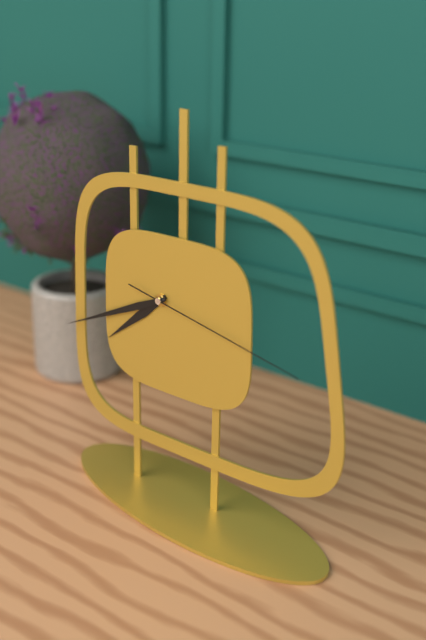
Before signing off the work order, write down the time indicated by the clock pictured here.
7:41:17
